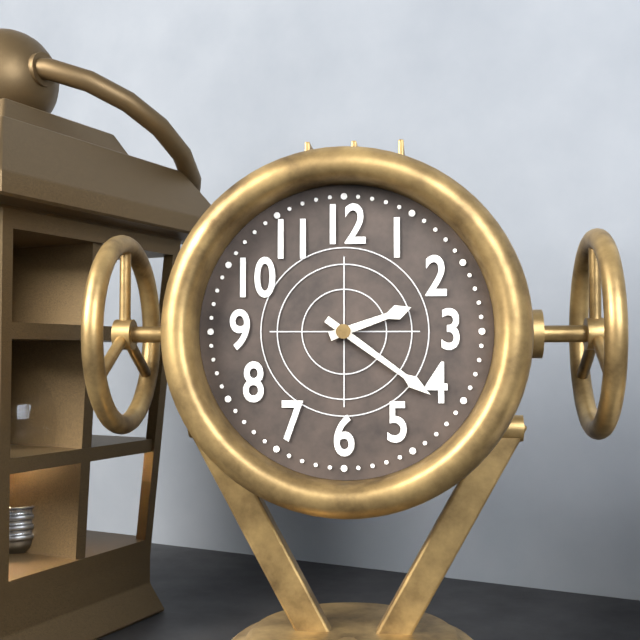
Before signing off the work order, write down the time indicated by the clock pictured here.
2:21
